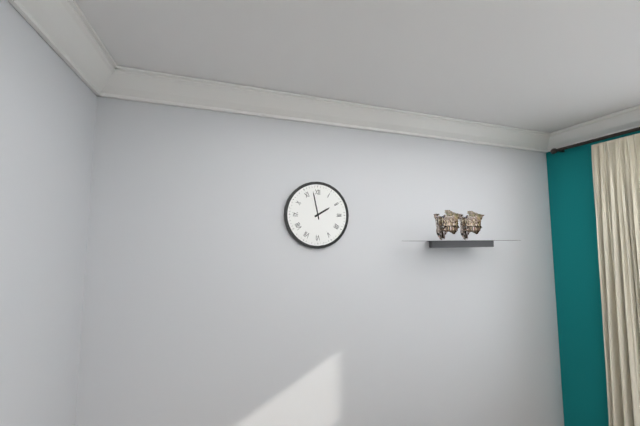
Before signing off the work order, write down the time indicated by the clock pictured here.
1:58
